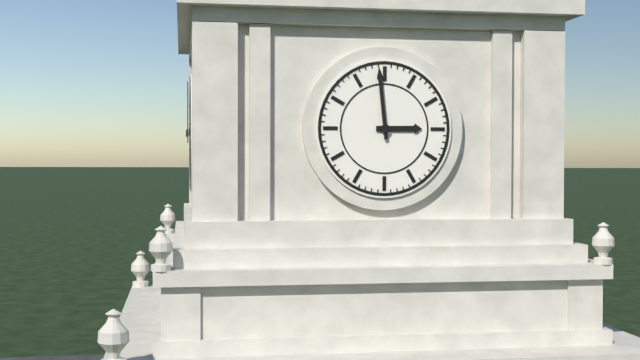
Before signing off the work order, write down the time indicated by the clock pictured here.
2:59
